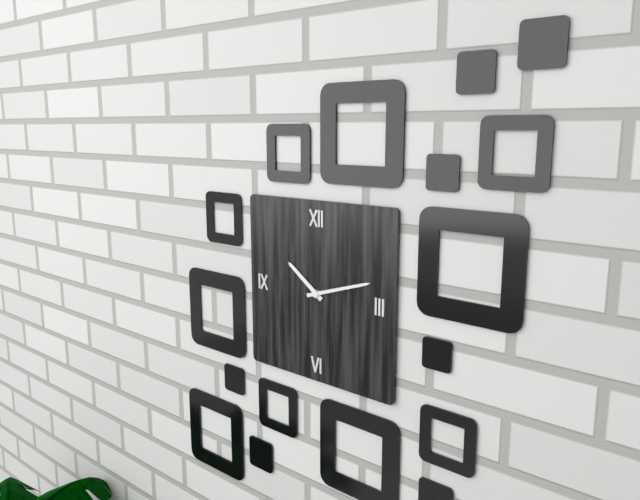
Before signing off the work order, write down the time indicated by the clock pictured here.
10:12
